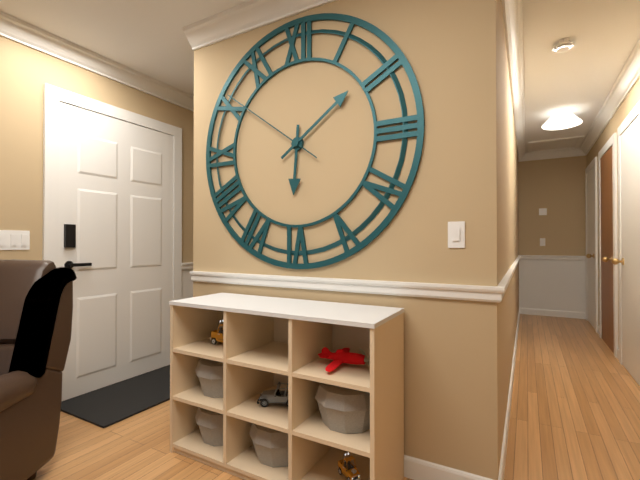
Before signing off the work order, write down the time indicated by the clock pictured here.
6:09:51
